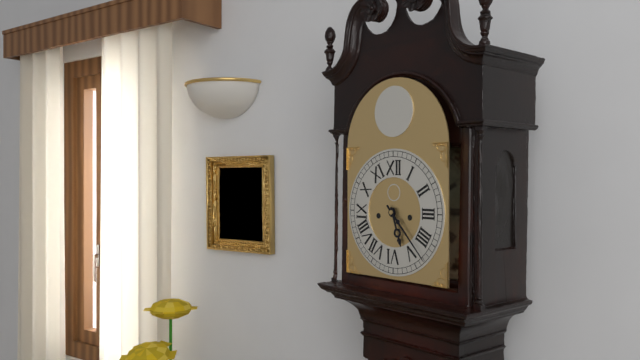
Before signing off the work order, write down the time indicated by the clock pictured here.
5:23
